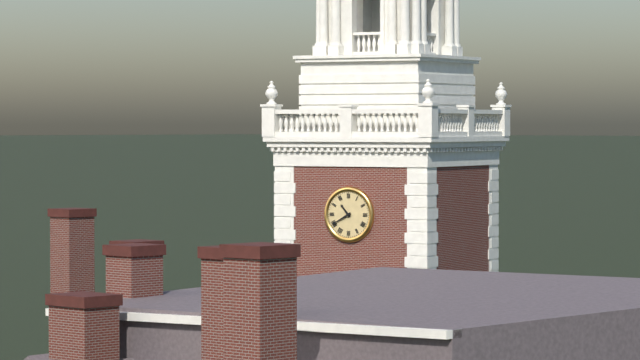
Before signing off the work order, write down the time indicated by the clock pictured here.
10:40
